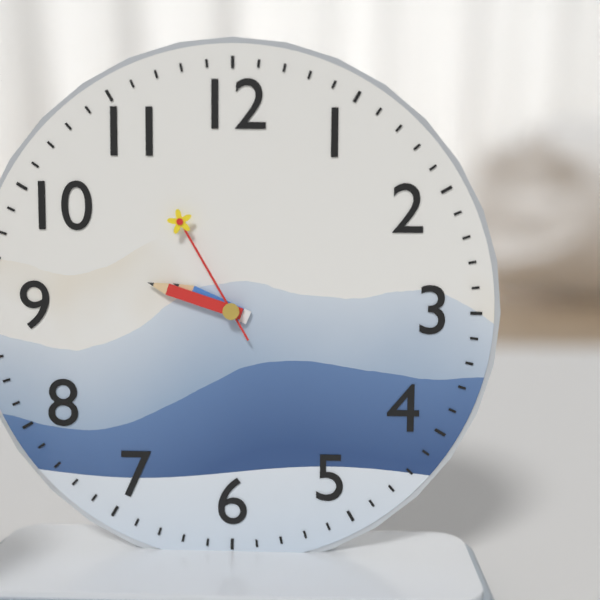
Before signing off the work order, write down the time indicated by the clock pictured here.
9:48:55
